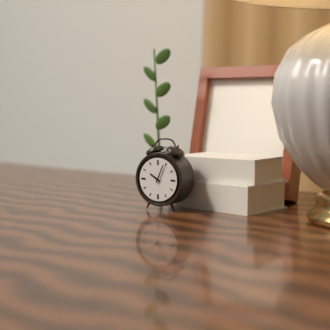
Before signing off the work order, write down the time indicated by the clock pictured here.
10:04
